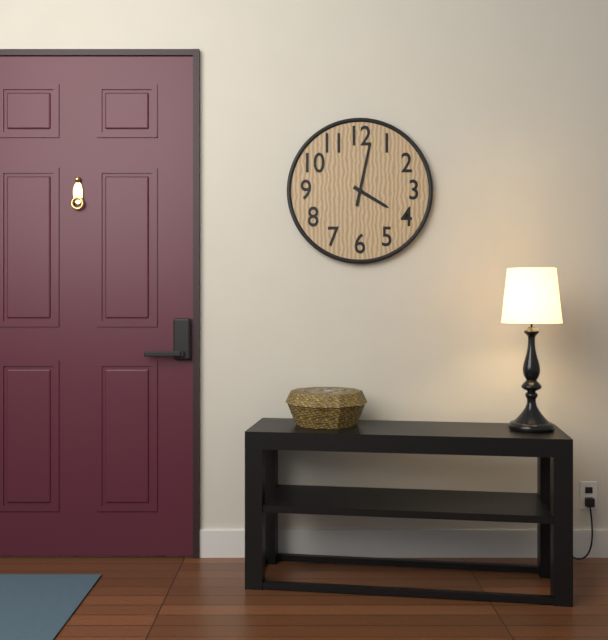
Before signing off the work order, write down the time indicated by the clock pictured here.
4:02
